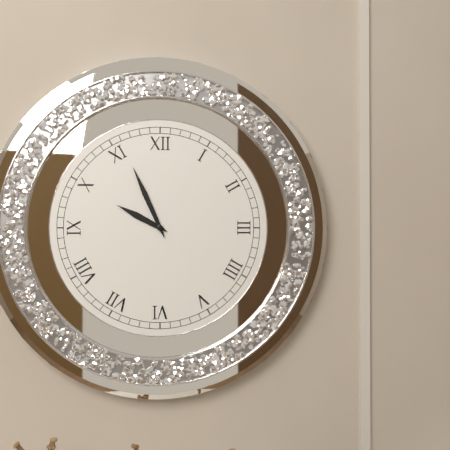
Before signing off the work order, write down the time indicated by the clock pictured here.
9:56
